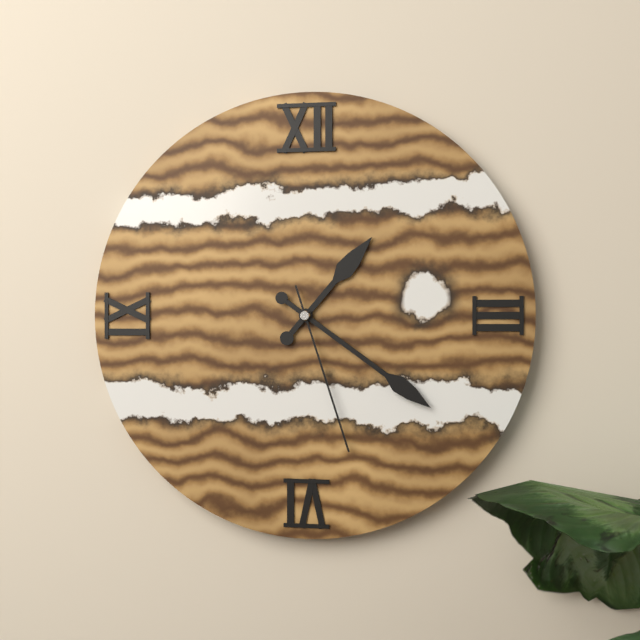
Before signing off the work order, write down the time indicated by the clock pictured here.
1:21:27
